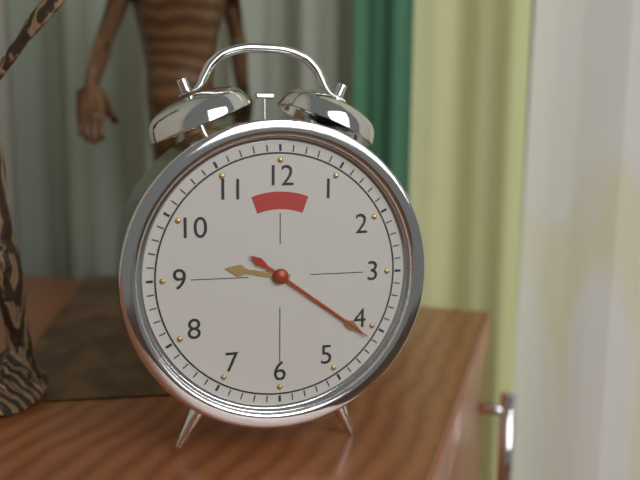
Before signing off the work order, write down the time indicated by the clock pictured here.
9:21:21
